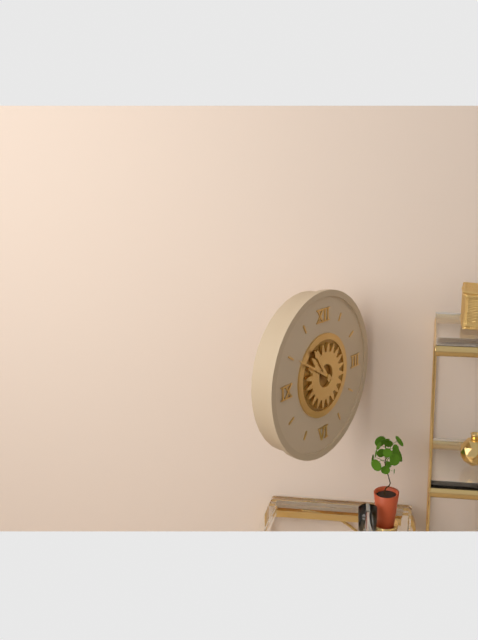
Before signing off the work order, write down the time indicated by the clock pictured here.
10:50
